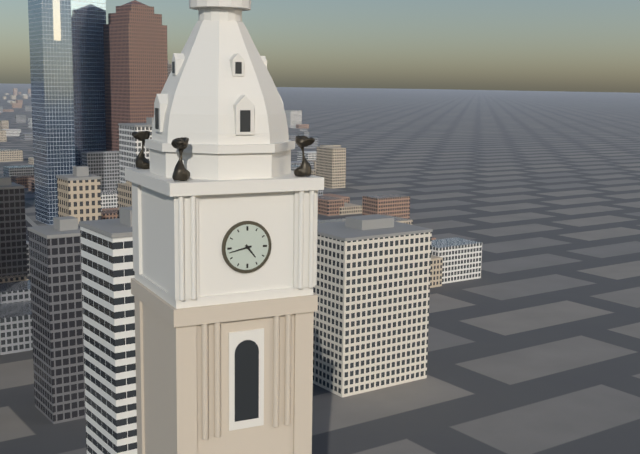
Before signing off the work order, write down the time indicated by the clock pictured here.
4:43
